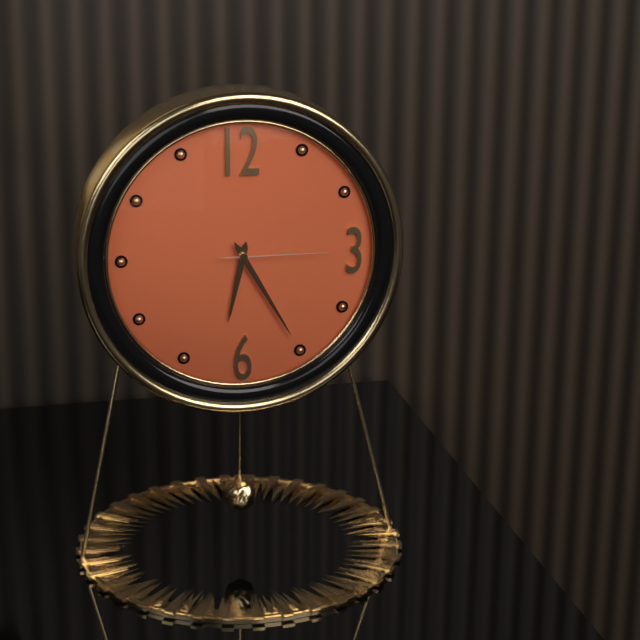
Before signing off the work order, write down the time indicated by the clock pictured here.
6:25:15
